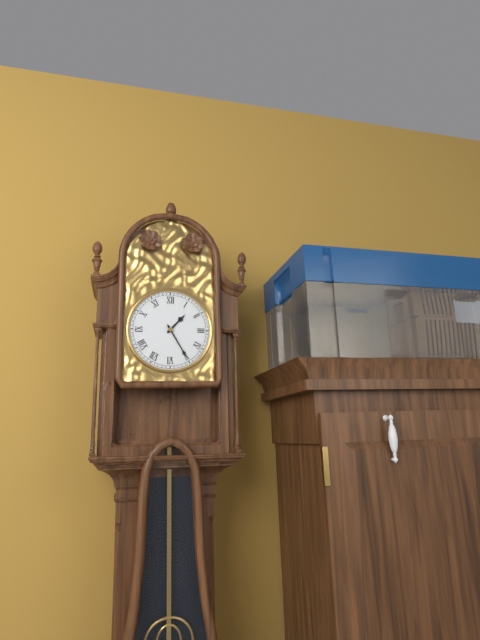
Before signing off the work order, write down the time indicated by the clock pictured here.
1:25
